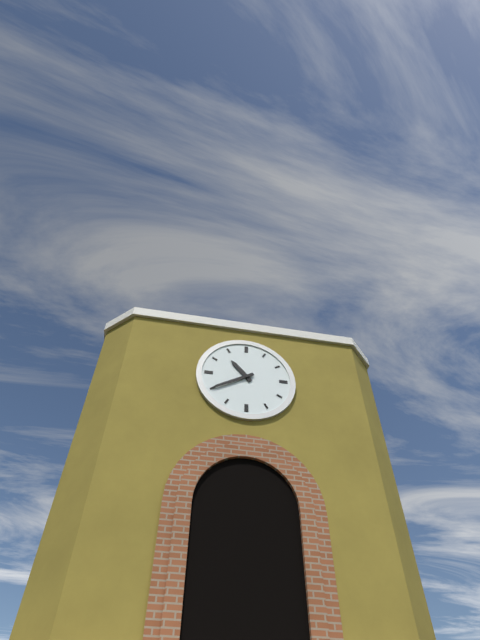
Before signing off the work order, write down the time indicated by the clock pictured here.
10:40
